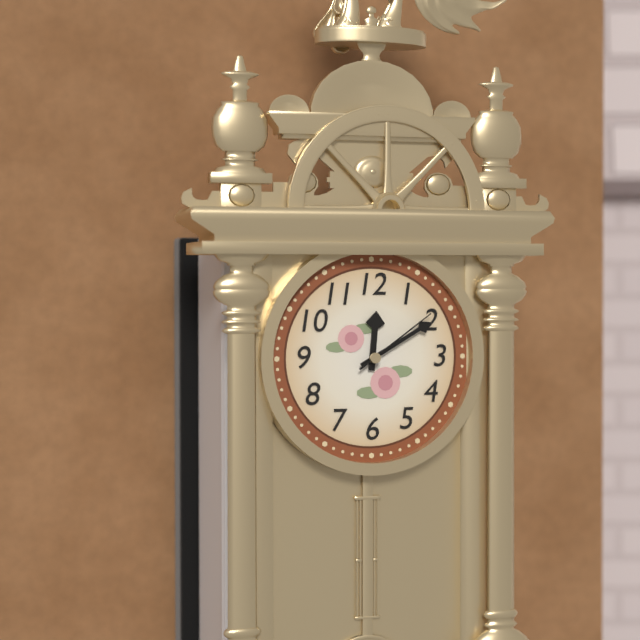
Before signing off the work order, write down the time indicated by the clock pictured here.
12:10:09
